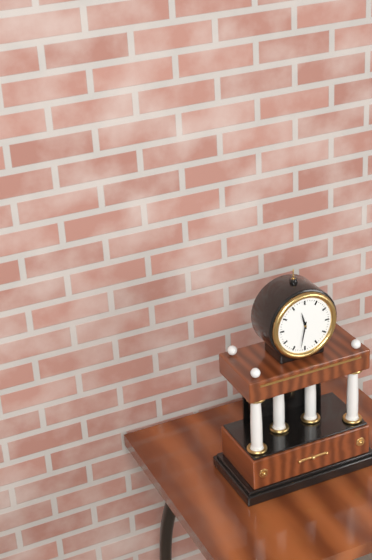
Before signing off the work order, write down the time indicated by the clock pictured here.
11:32
